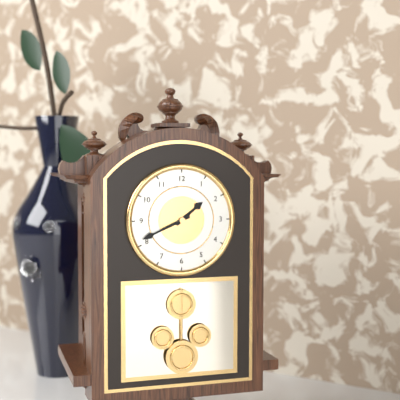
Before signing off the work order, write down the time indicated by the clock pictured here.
1:41
